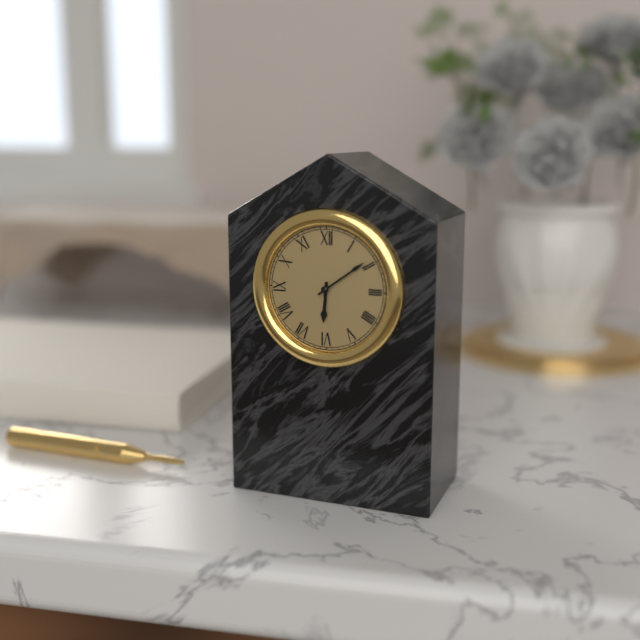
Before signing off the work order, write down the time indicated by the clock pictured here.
6:09
